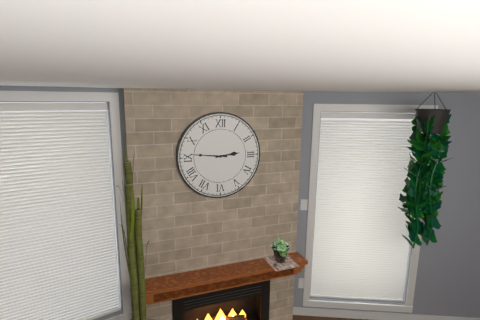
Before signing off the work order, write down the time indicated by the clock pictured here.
2:46
